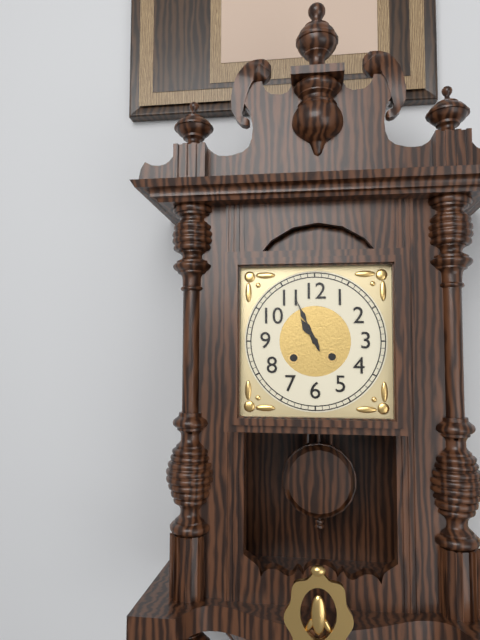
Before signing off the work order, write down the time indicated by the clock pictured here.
10:56
